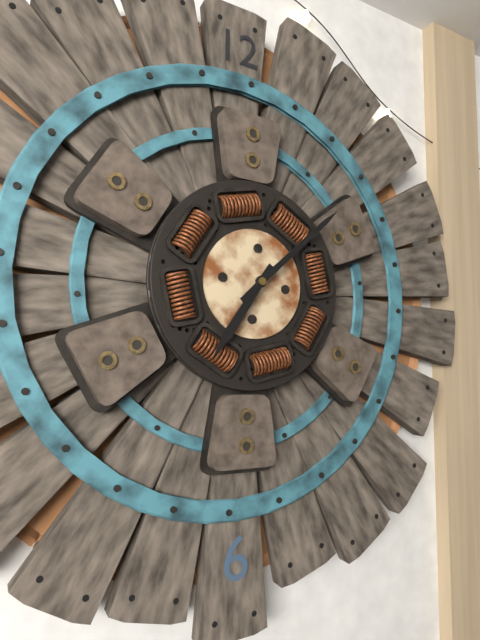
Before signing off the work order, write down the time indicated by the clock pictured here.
7:08
